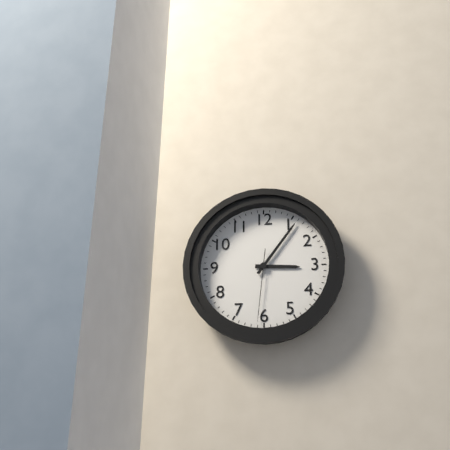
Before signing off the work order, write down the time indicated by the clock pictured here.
3:06:31
